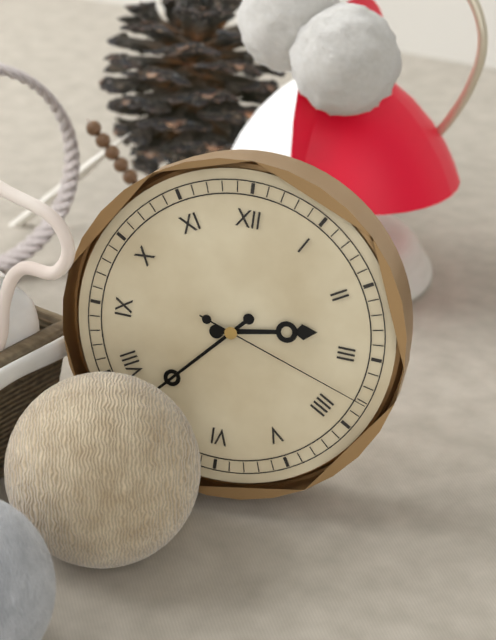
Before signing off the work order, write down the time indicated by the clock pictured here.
2:37:18
